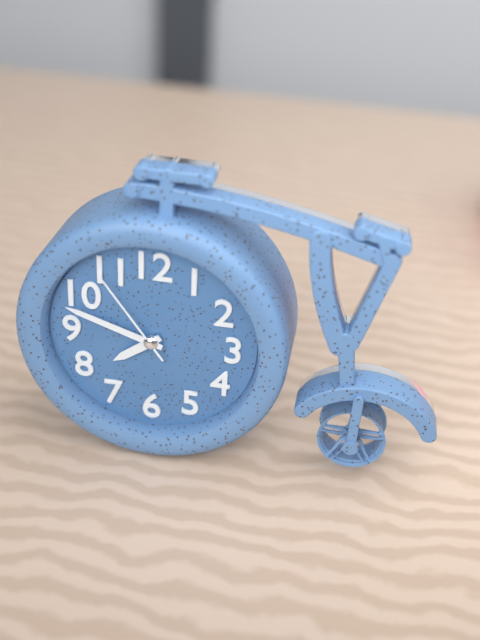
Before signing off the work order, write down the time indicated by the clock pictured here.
7:48:54
